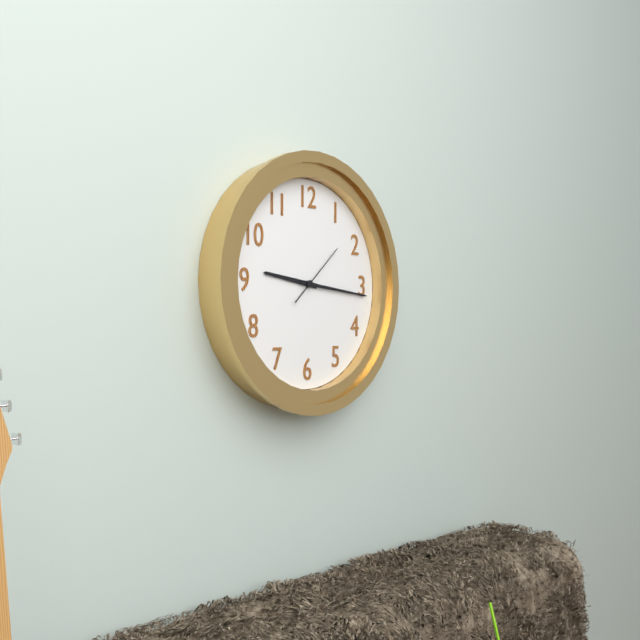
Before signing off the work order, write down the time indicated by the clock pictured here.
9:16:08
